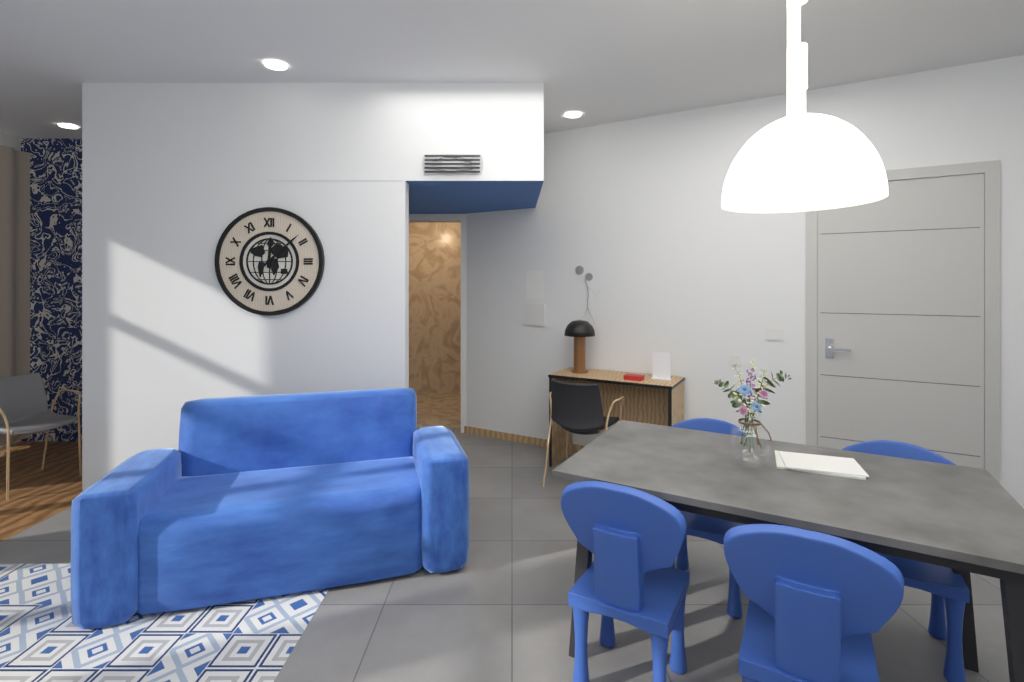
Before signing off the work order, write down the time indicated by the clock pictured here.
12:08
